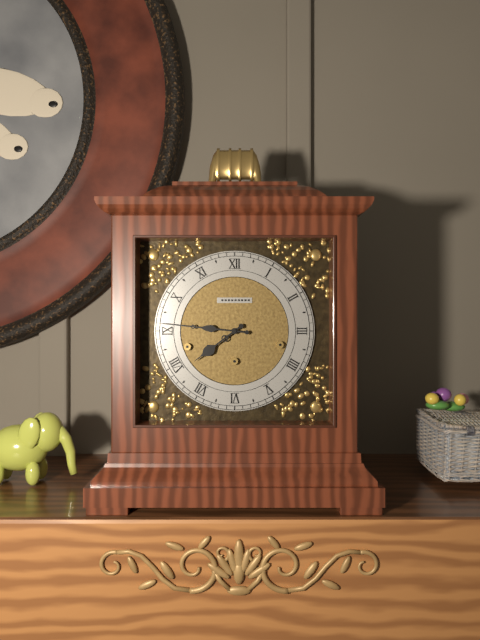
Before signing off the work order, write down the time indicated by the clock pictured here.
7:46
